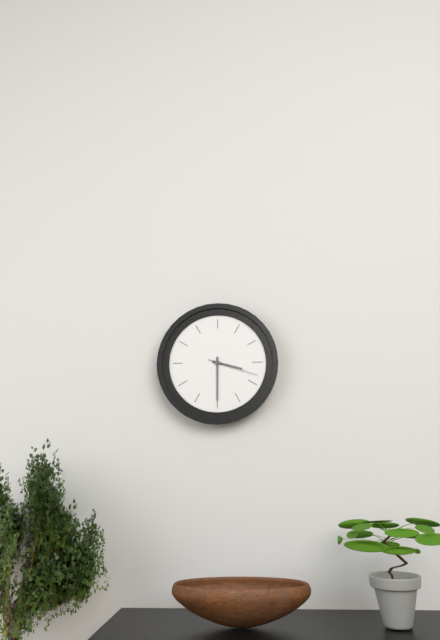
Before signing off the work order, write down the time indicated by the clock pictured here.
3:30:18
